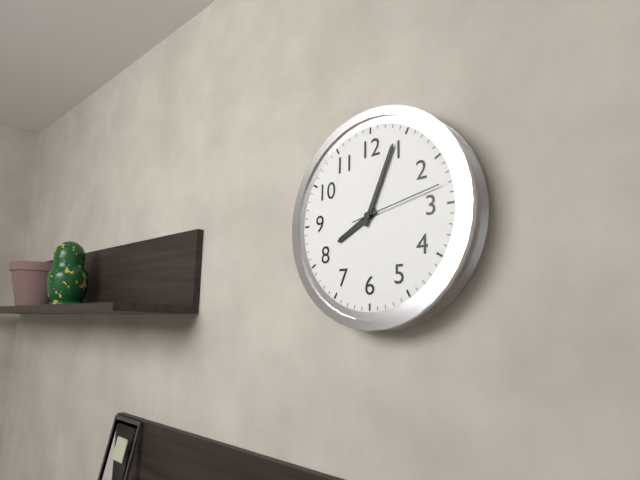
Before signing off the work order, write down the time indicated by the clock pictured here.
8:04:13
